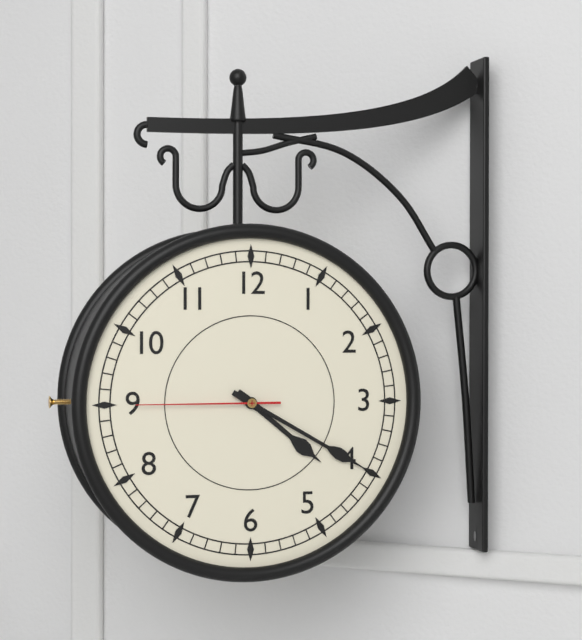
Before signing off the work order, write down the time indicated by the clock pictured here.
4:20:45
